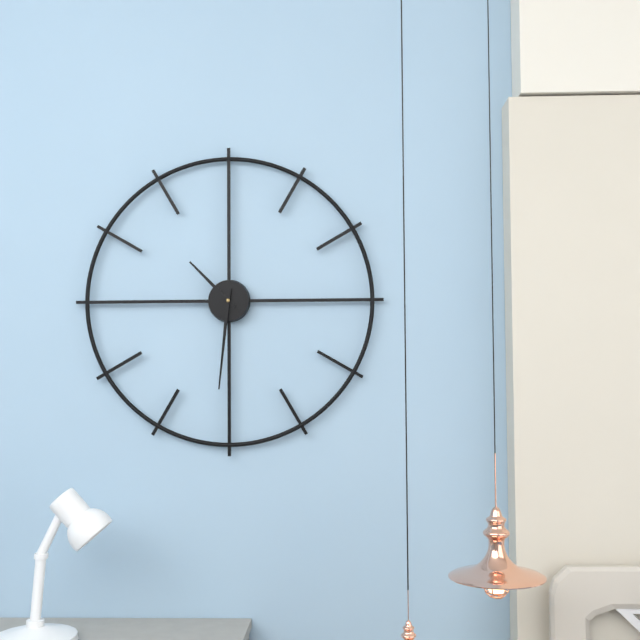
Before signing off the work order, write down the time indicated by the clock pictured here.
10:31
